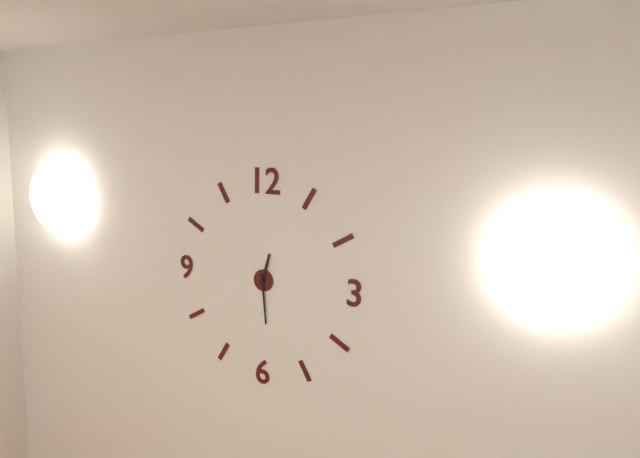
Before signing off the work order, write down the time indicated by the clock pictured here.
12:29
